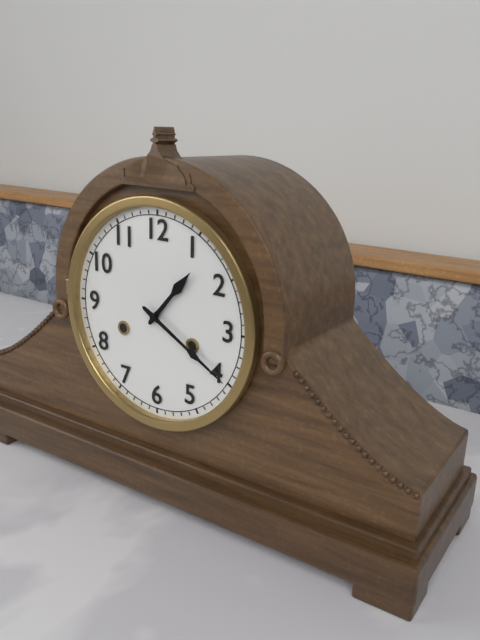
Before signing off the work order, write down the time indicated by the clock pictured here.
1:20
